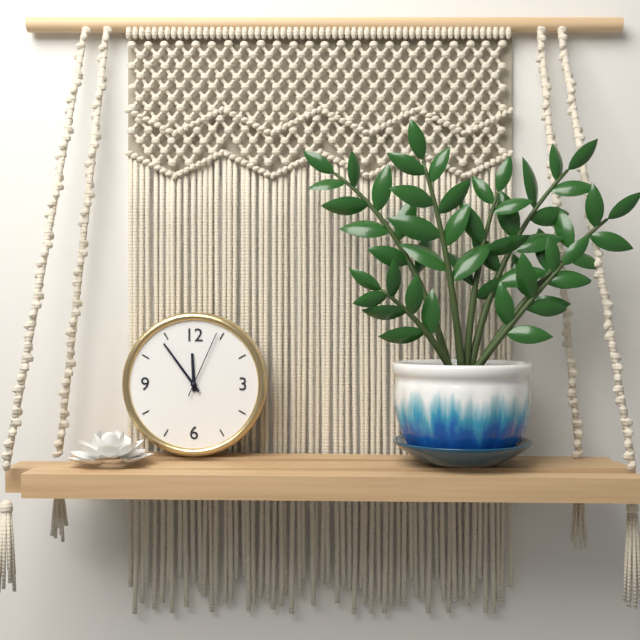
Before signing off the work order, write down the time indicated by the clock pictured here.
11:54:04
